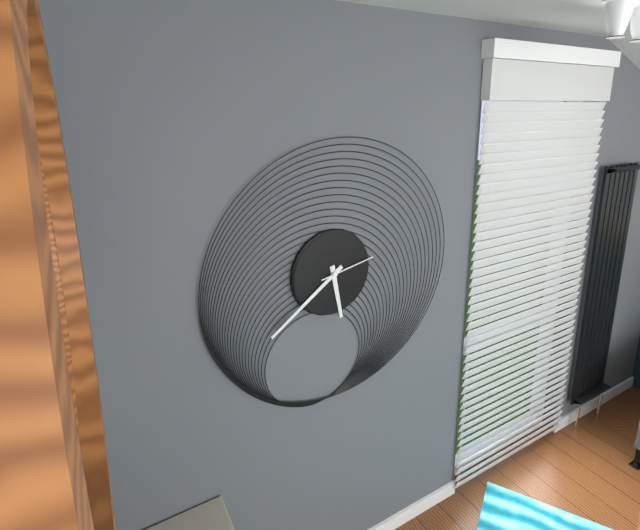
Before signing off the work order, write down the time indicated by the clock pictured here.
5:39:13
